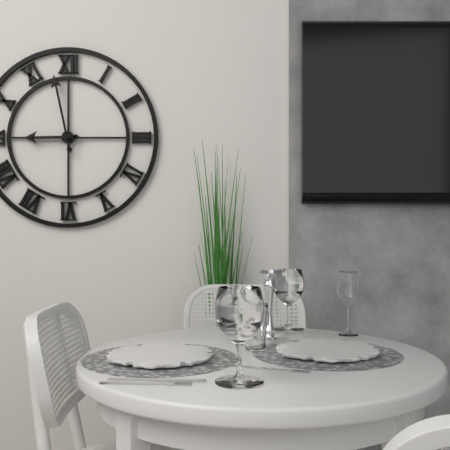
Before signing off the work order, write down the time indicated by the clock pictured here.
8:58
